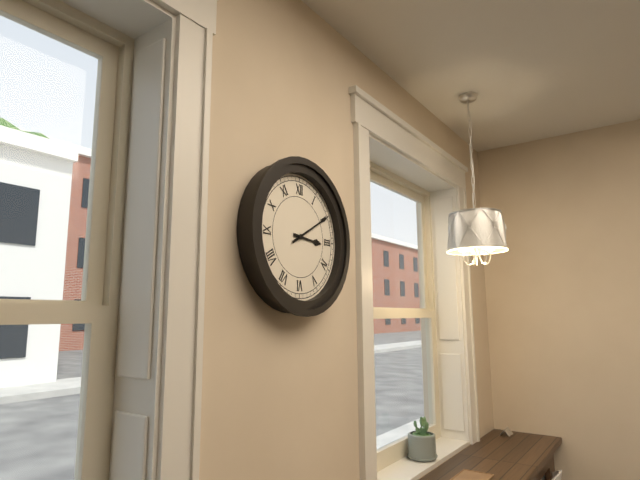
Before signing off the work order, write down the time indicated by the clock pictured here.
3:10
